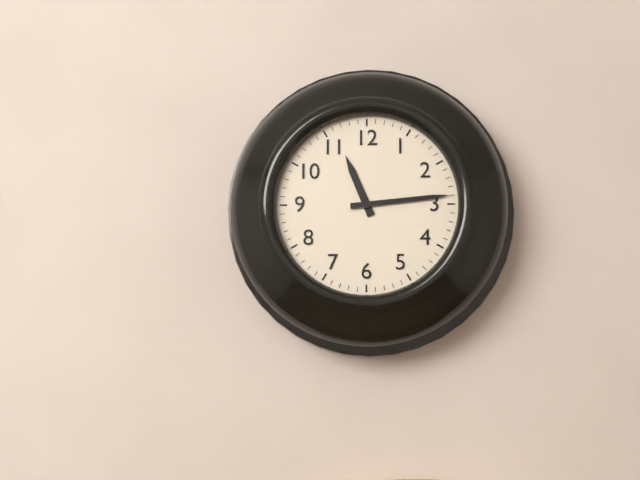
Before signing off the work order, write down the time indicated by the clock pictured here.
11:14
